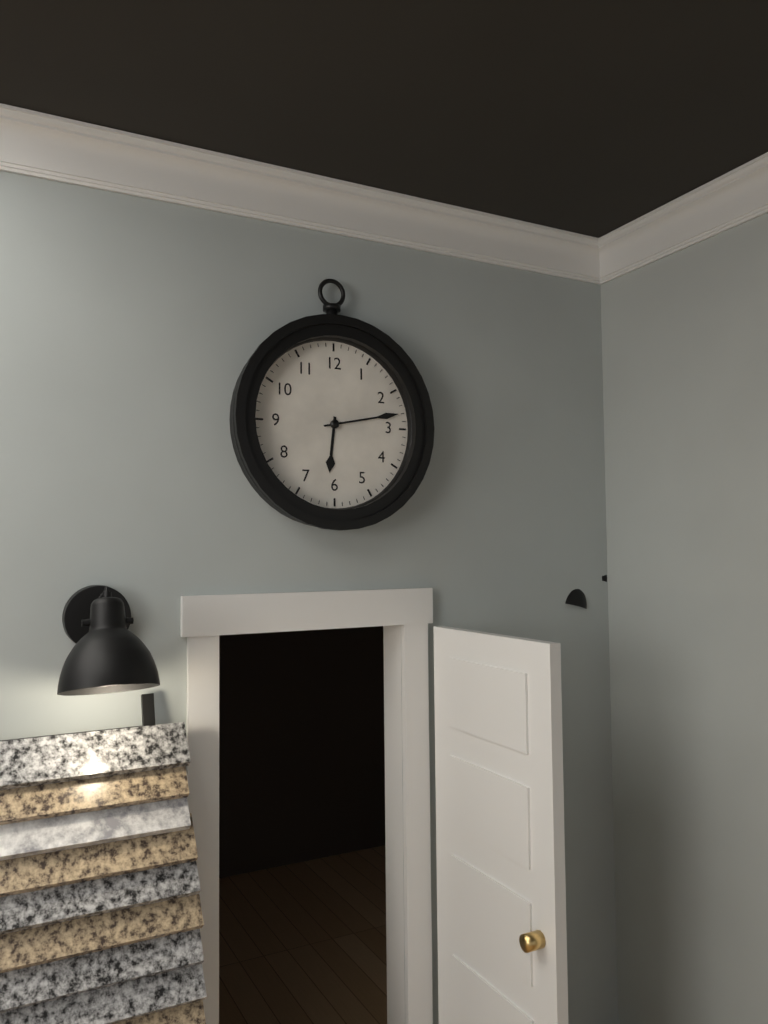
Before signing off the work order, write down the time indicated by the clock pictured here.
6:13
